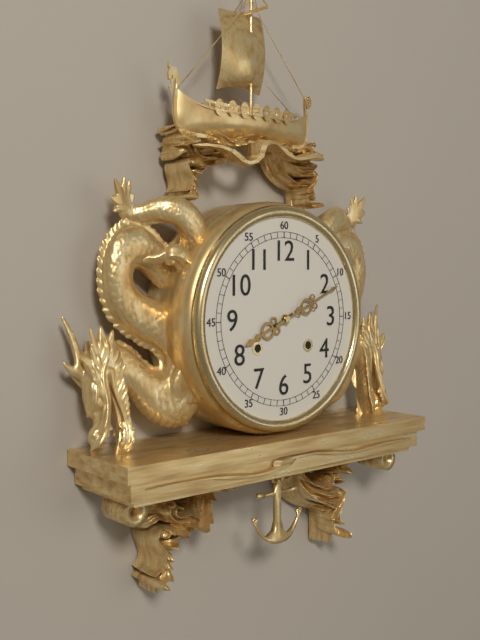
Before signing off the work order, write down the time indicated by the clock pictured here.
8:11
